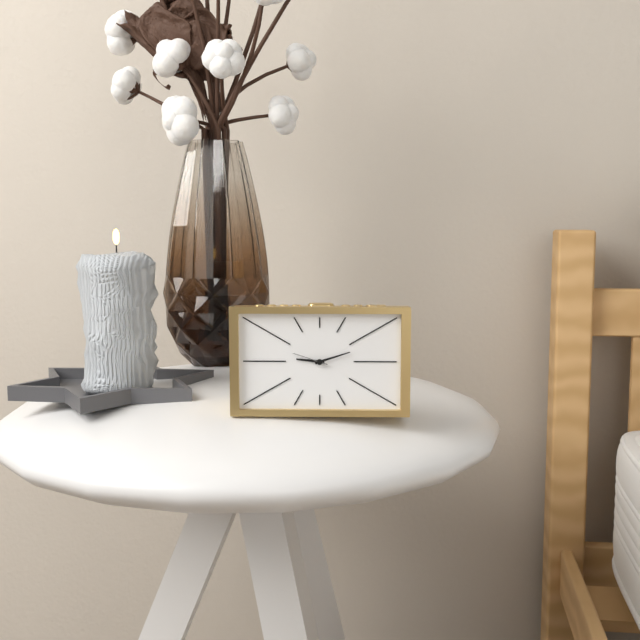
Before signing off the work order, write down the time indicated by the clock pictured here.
9:12
